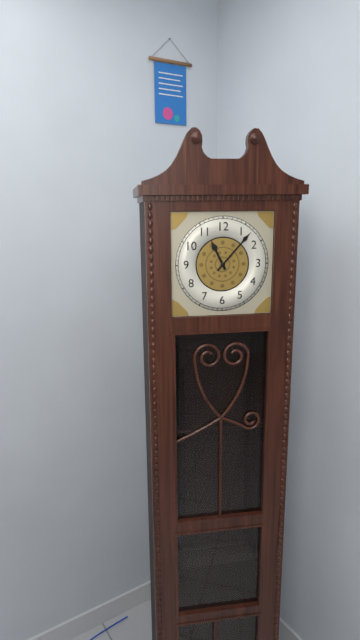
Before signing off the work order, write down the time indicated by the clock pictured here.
11:07
